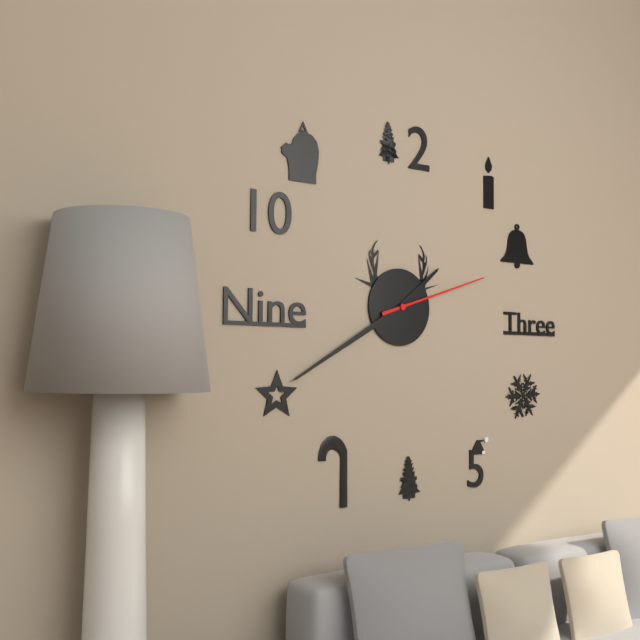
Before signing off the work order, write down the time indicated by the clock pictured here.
1:40:12
